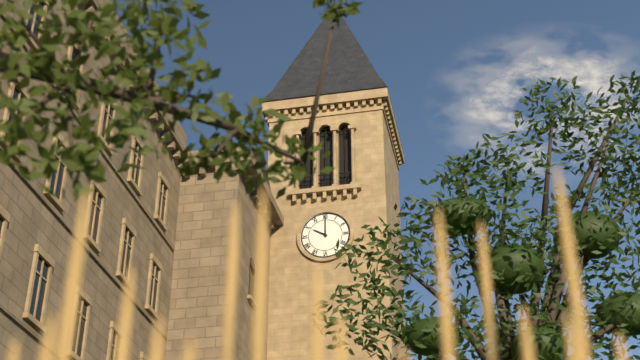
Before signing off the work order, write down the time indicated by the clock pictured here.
10:00
